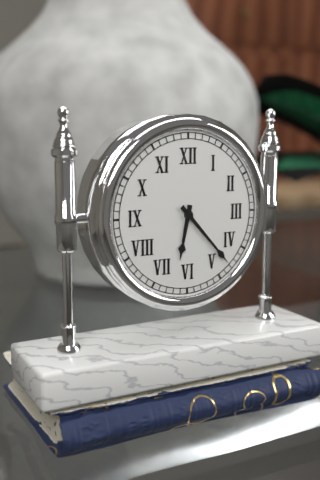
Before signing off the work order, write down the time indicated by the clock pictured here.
6:23
